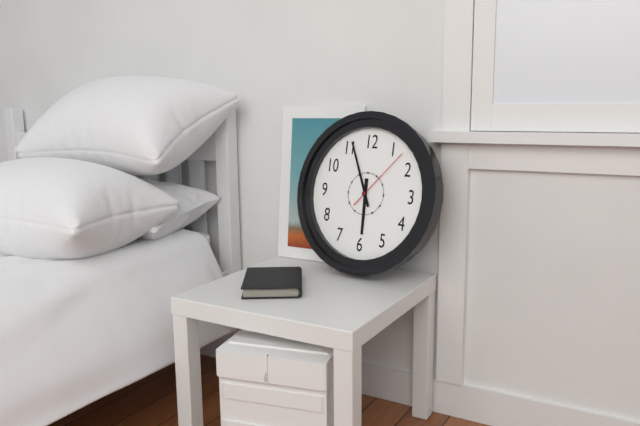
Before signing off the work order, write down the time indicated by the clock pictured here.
5:56:07
